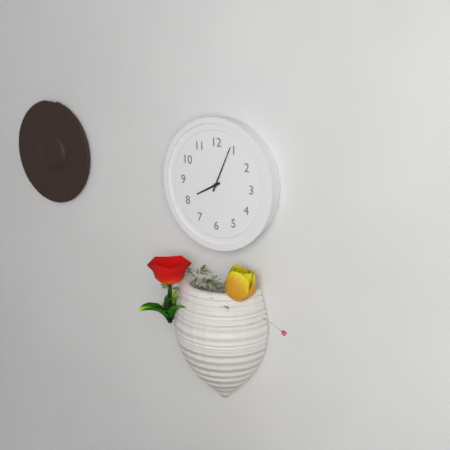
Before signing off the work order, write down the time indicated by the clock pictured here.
8:04
